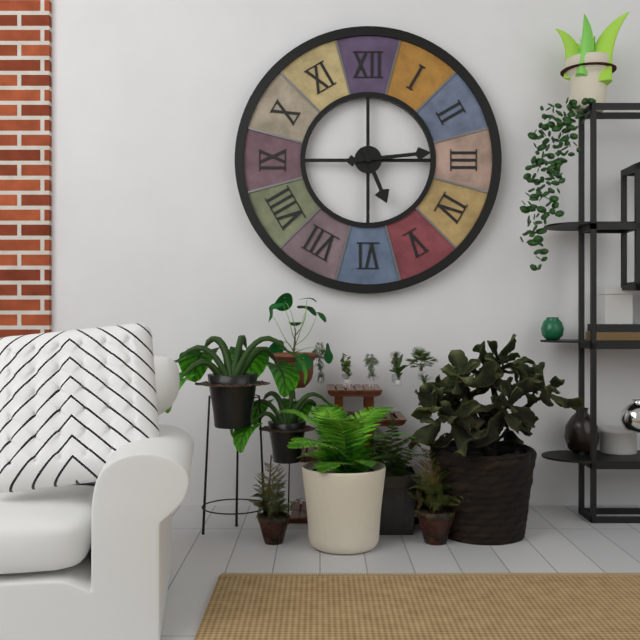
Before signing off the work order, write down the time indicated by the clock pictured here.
5:14
